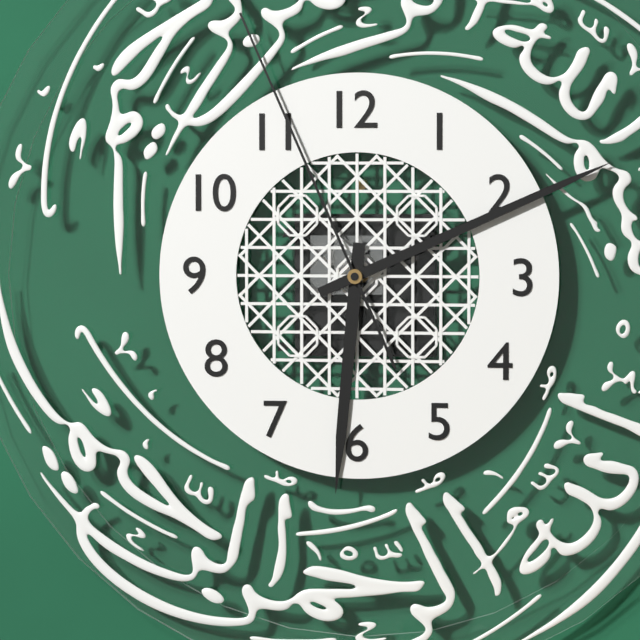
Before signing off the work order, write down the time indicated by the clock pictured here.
6:11:56
